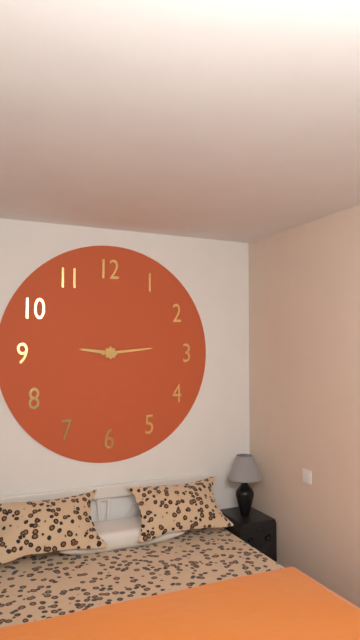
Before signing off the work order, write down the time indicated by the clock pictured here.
9:14
